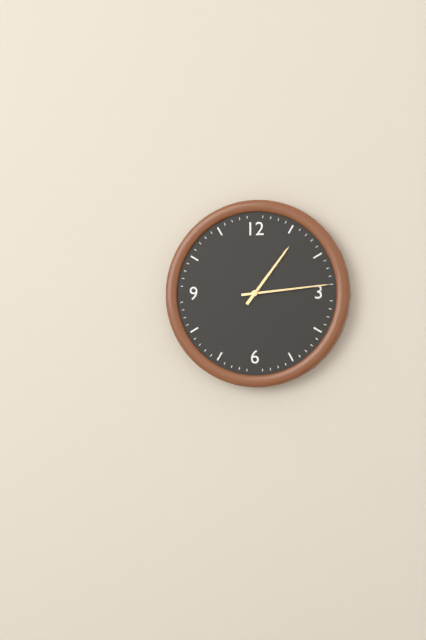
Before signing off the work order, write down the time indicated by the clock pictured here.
1:14
